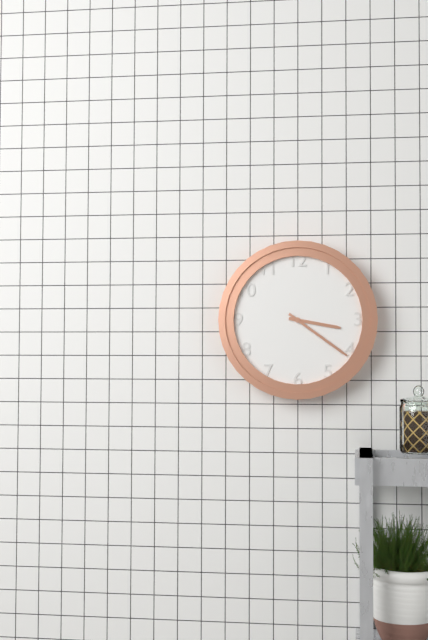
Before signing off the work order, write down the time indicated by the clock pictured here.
3:21
